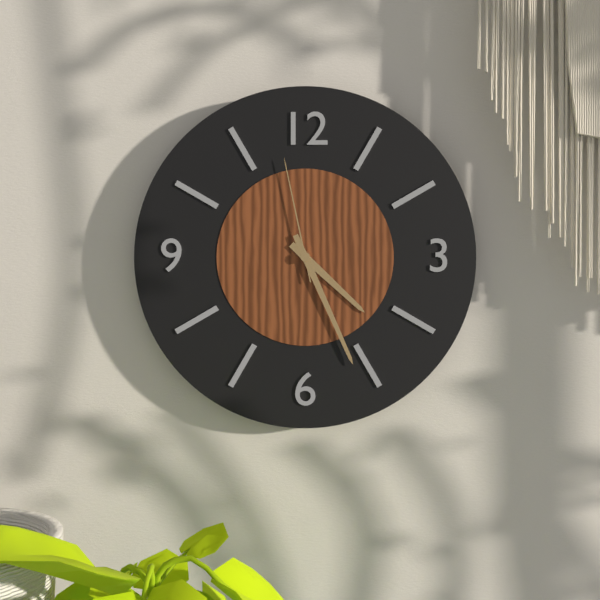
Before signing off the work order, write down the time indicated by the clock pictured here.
4:26:58
